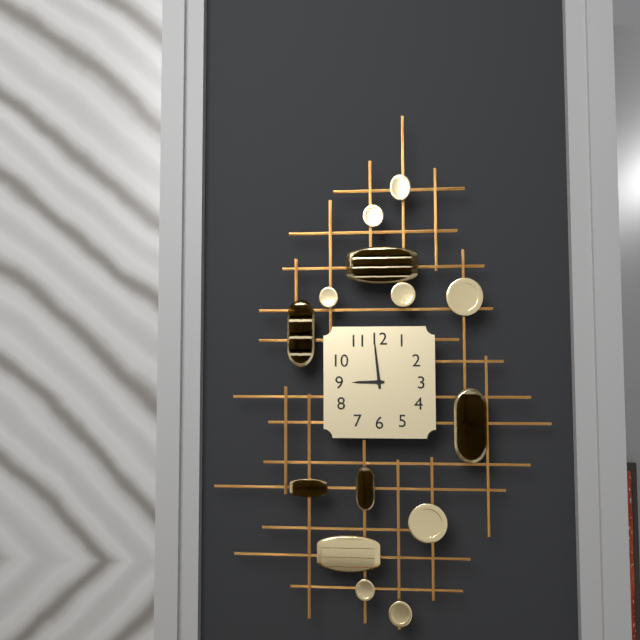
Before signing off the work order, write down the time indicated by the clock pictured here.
8:59
